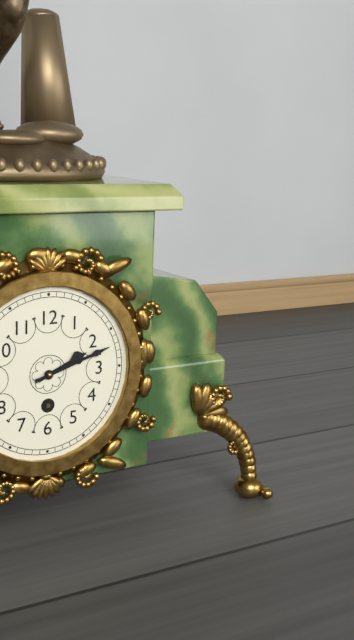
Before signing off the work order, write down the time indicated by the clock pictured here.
2:12
